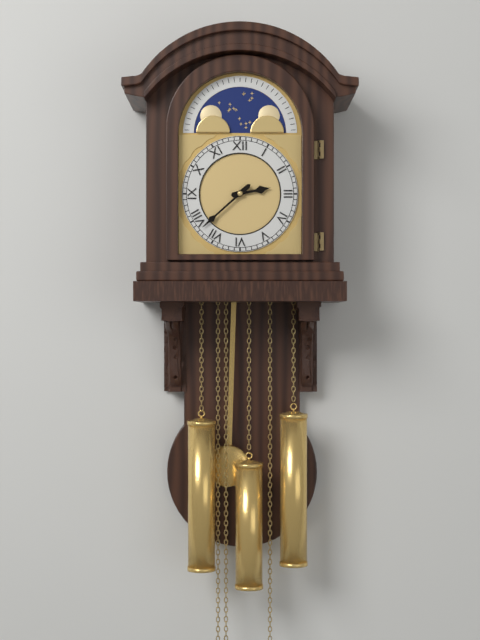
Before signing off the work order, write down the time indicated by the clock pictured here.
2:38
